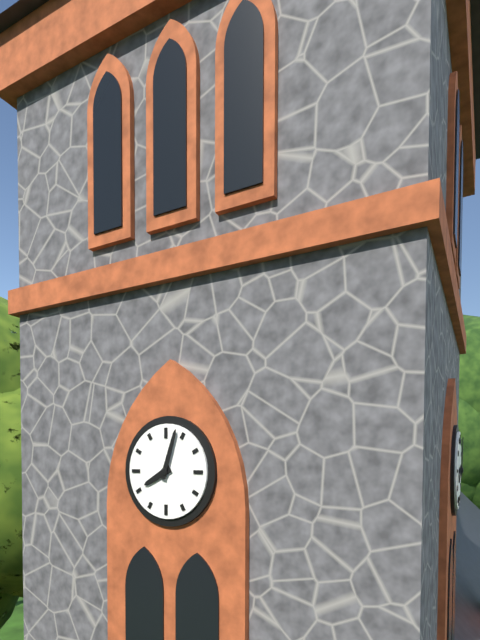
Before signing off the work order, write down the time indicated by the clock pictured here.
8:03
